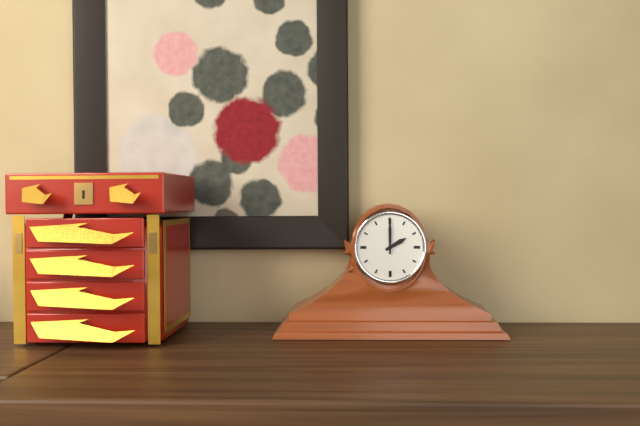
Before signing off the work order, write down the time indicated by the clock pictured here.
2:00
